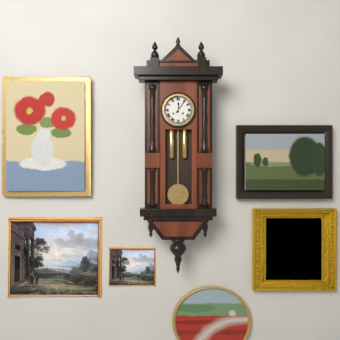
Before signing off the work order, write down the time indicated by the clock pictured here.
12:06
